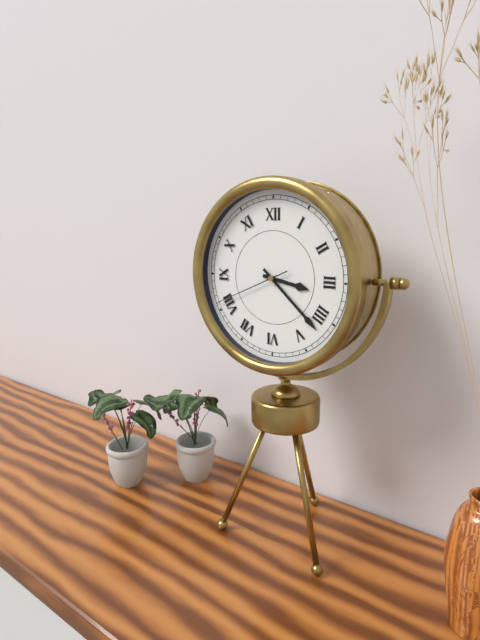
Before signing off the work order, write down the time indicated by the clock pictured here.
3:22:41
